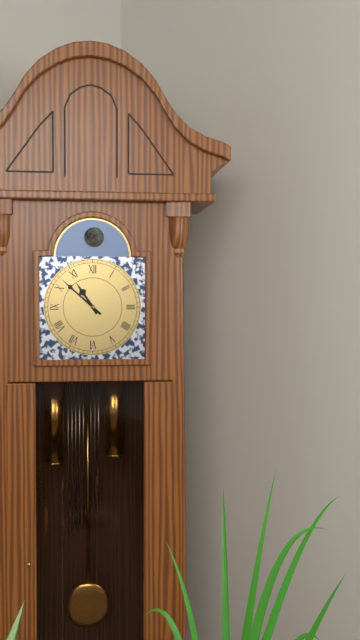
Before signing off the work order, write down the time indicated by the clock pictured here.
10:52
